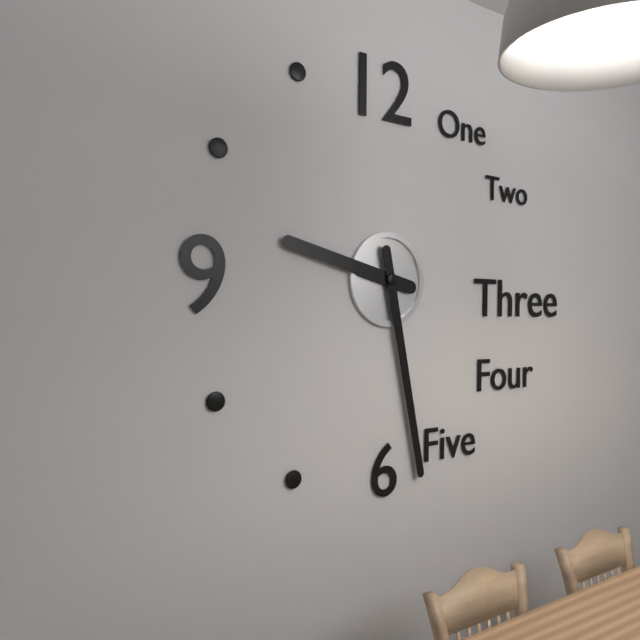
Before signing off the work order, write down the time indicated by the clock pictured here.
9:28
